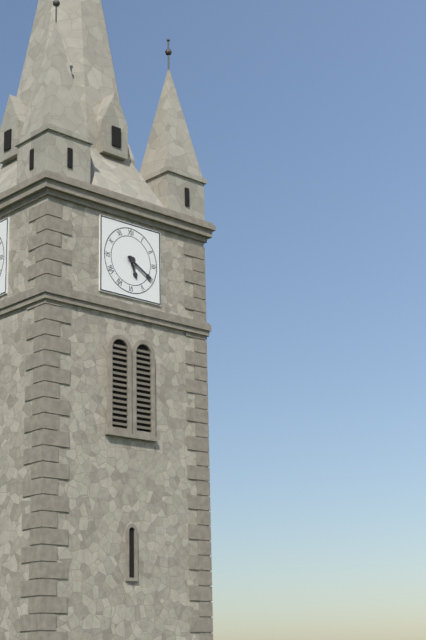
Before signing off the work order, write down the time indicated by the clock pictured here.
5:20
